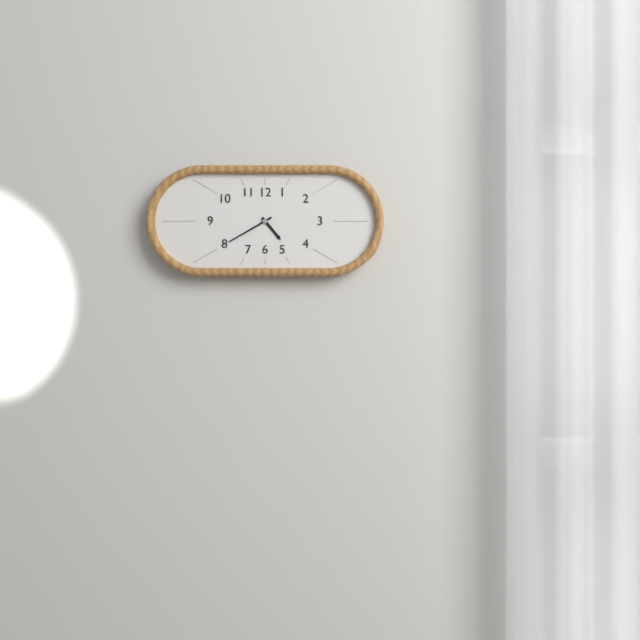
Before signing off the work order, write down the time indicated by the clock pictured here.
4:40
